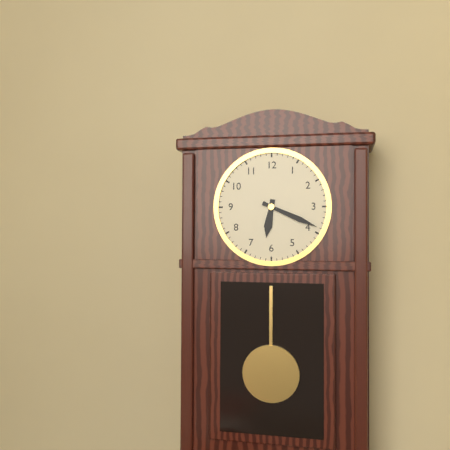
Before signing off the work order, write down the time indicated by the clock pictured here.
6:19
